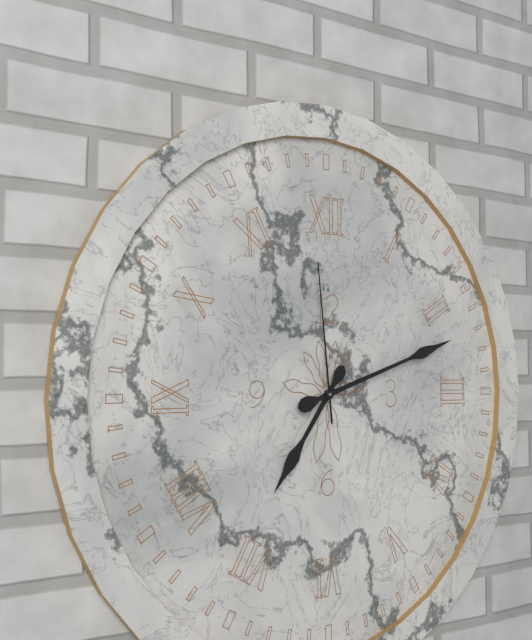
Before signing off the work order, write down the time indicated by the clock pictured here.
7:12:59
